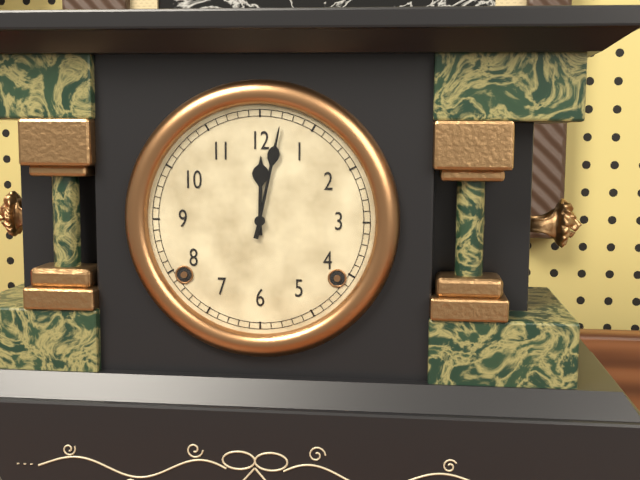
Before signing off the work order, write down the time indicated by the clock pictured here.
12:02
